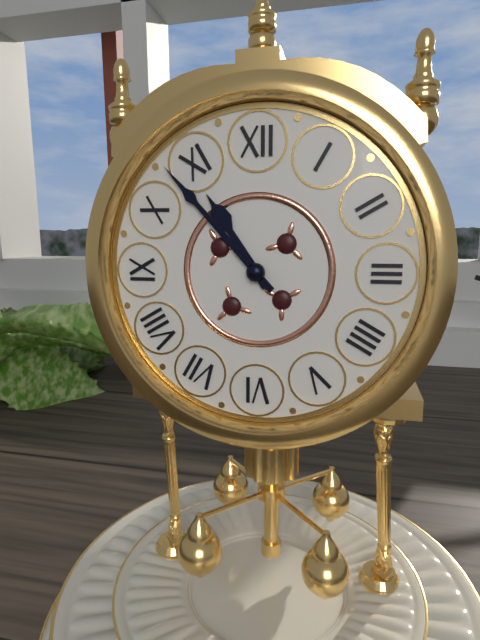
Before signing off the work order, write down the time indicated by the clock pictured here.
10:53
